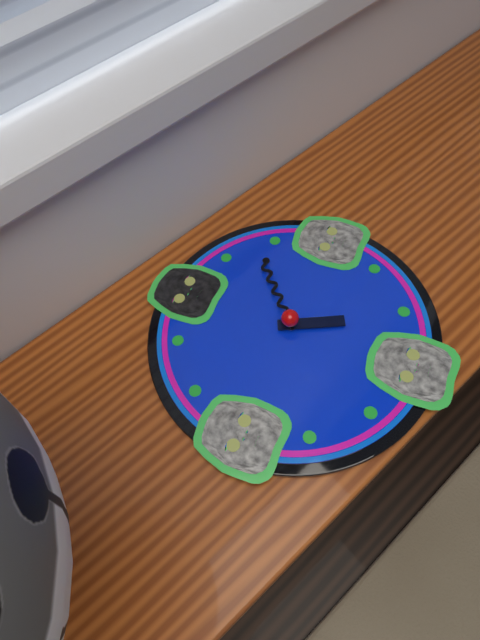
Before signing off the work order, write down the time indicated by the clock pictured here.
5:08
